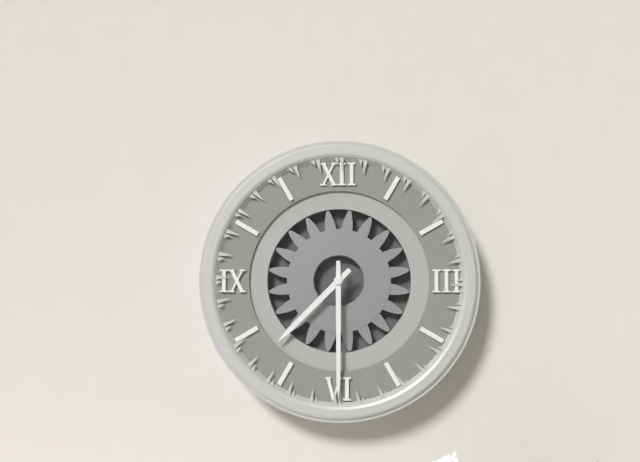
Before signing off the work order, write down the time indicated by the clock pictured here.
7:30
